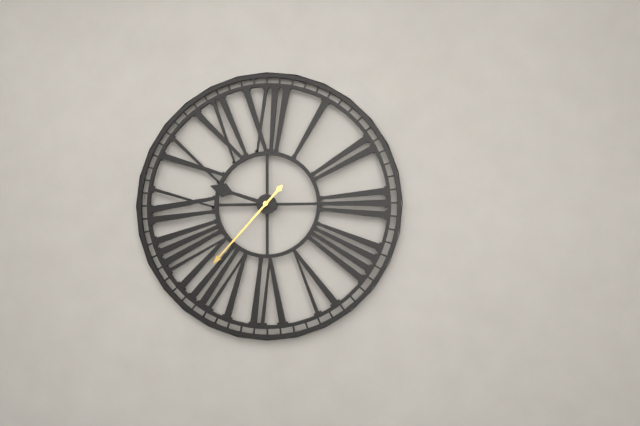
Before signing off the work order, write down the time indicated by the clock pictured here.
9:37
